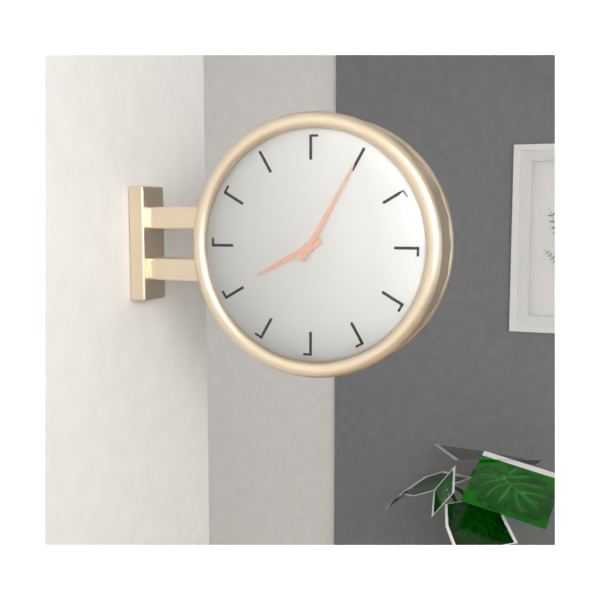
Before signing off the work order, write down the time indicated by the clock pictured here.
8:05
